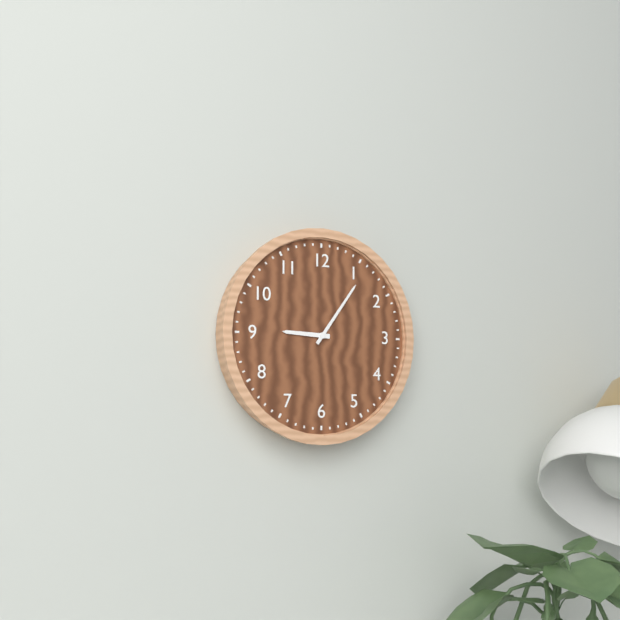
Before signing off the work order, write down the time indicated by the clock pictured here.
9:06
